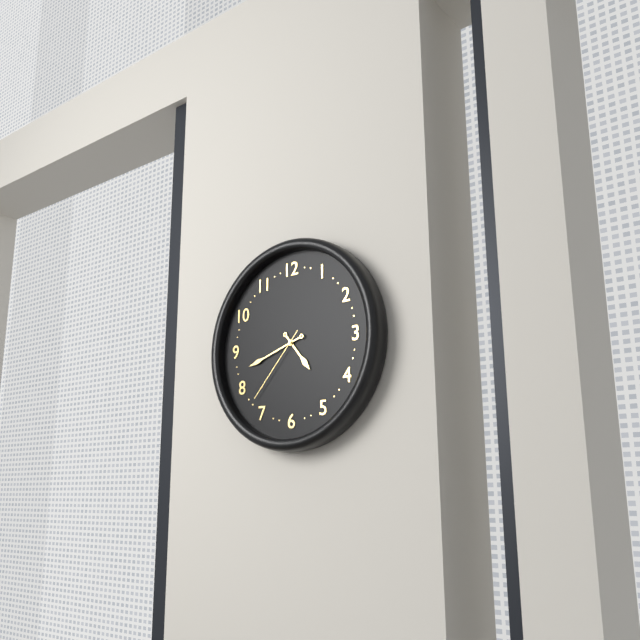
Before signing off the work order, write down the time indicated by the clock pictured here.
4:42:37
